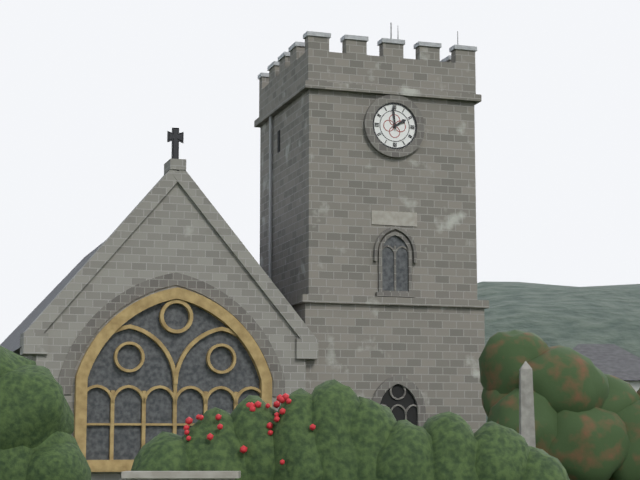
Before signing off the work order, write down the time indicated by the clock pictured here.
1:59
